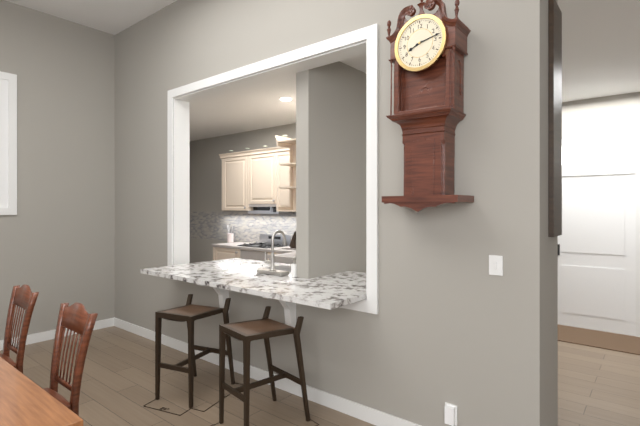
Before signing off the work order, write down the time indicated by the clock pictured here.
8:13
